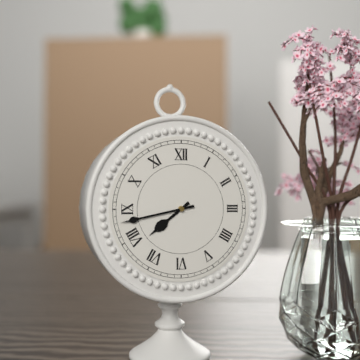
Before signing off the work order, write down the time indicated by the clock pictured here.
7:43
